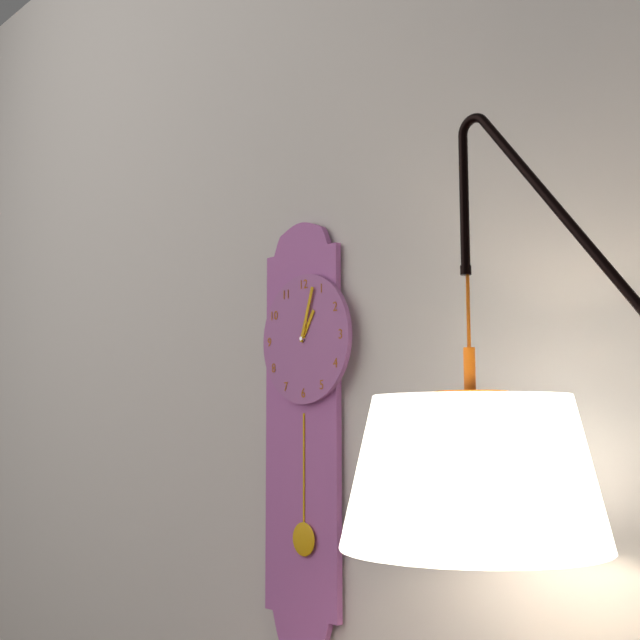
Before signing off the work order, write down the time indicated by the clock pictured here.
1:03
